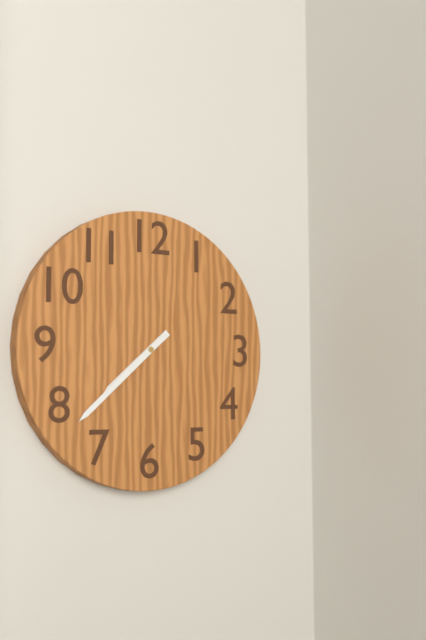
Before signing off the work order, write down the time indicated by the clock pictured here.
7:38
